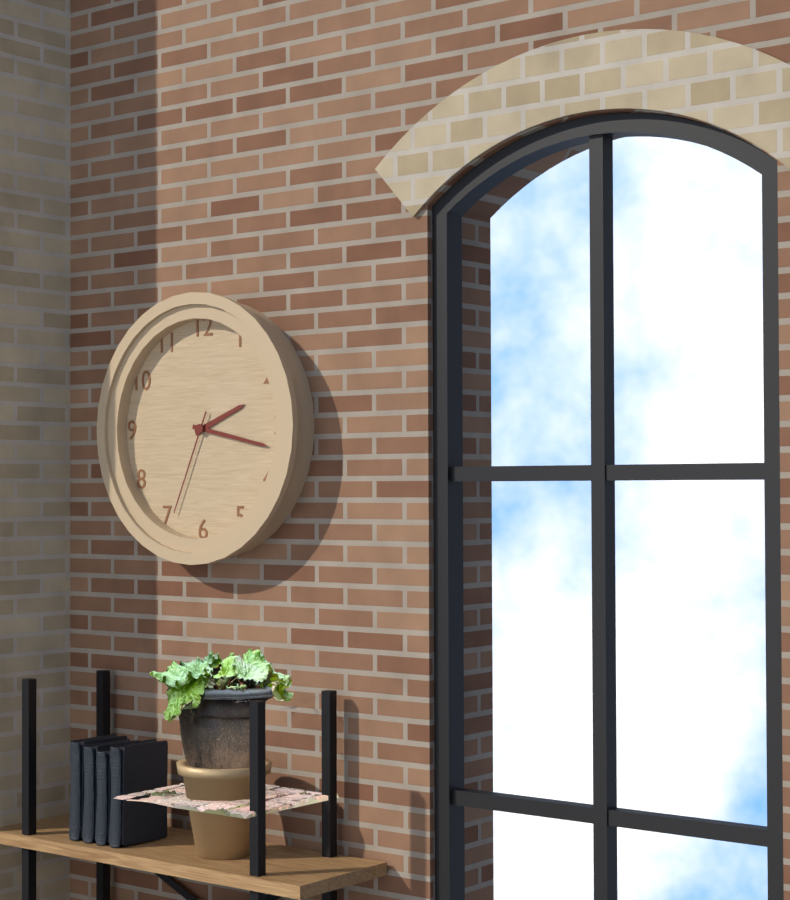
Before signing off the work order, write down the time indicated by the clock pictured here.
2:17:34
